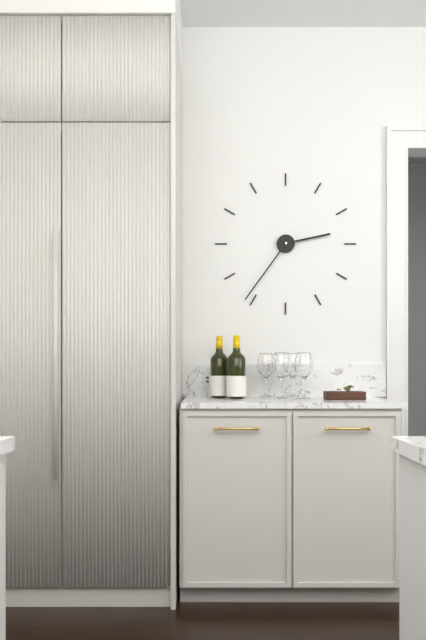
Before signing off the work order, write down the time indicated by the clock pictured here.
2:36
